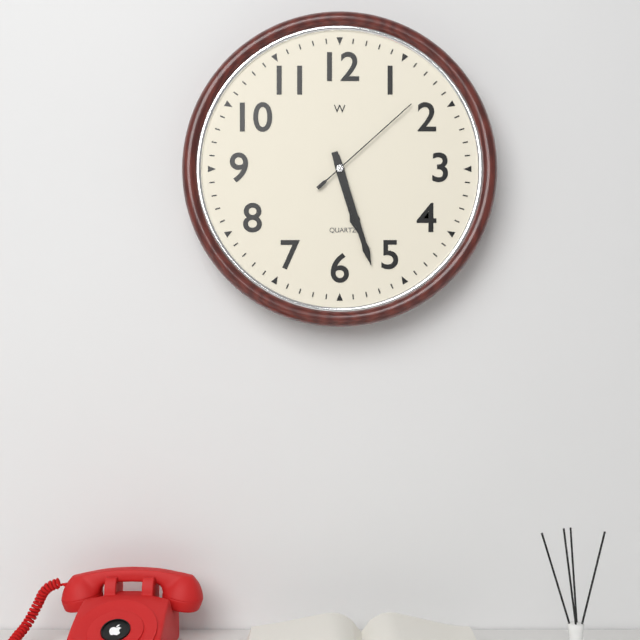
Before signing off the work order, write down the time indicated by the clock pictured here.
5:27:08
